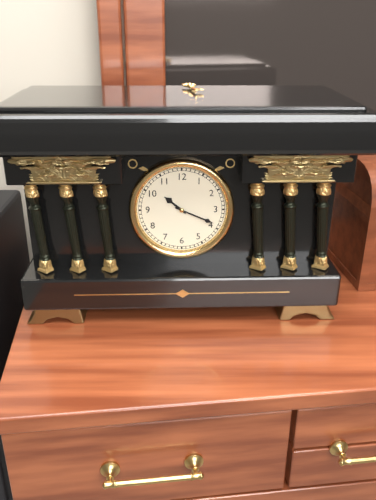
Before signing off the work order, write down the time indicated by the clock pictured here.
10:19
